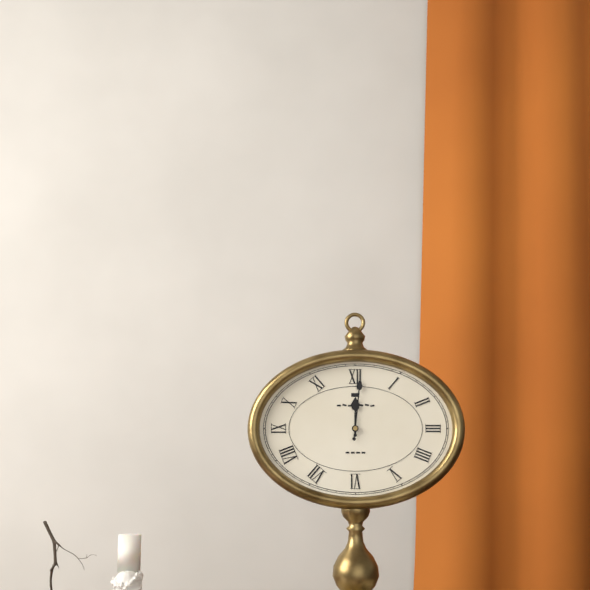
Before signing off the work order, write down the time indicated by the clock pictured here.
12:01
